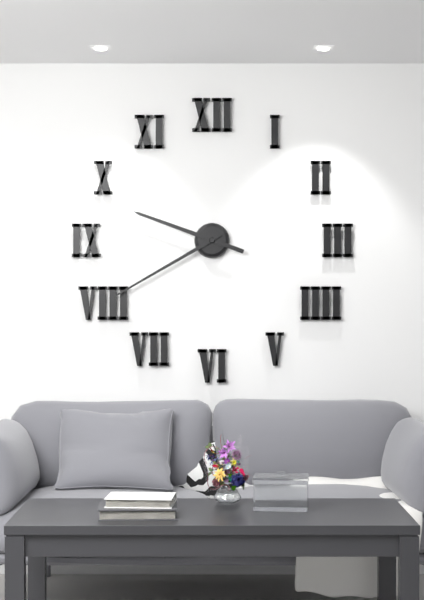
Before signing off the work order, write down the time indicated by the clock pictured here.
9:40
